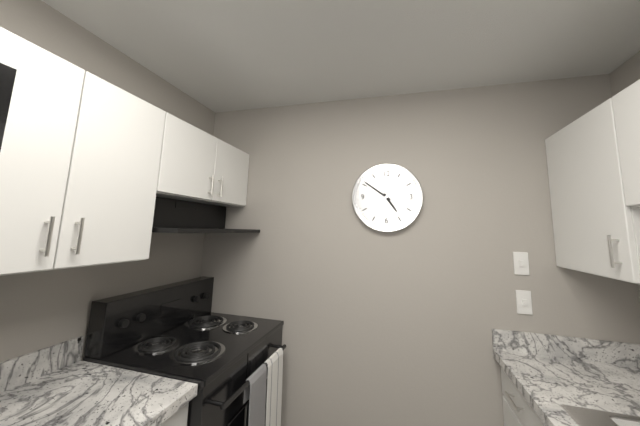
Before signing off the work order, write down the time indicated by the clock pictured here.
4:51
